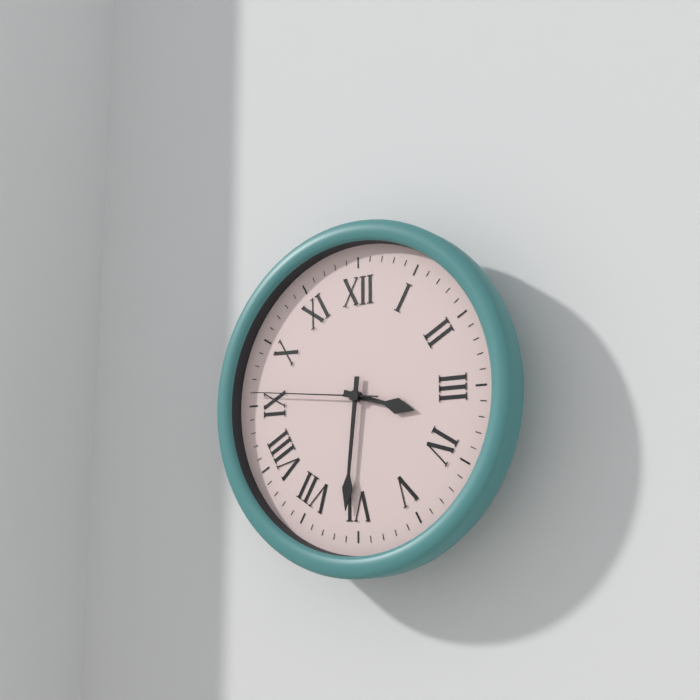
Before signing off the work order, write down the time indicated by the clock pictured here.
3:31:46
